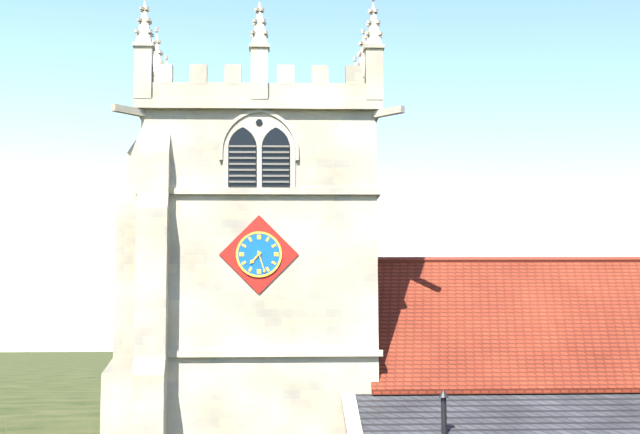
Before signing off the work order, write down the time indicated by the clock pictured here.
7:27
